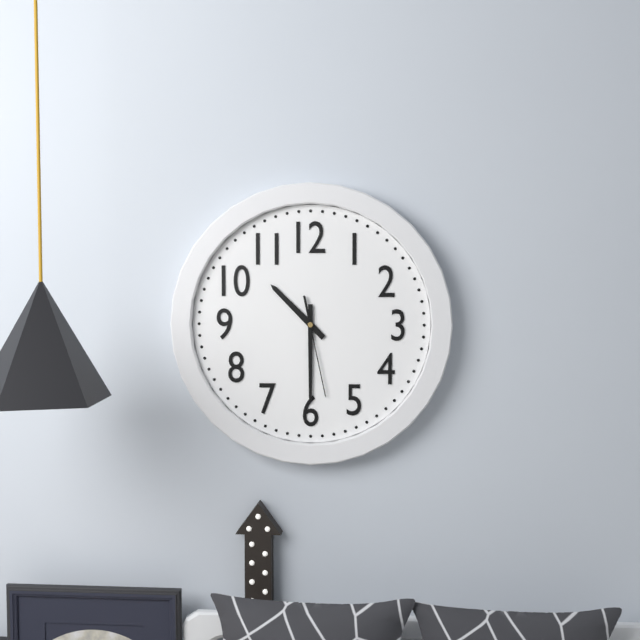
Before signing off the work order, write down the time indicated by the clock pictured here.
10:30:28
